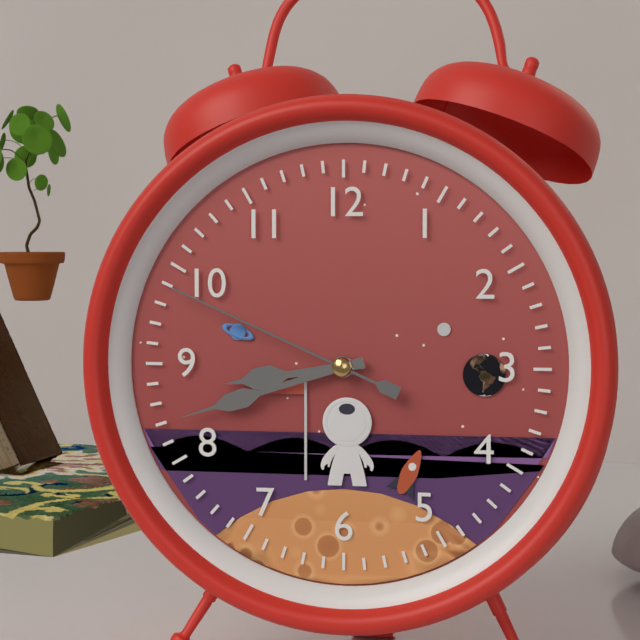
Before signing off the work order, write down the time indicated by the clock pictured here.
8:42:49
